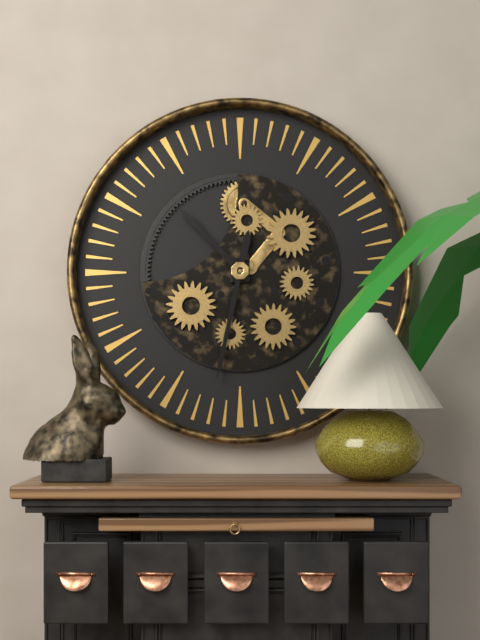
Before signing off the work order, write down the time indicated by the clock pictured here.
10:32
